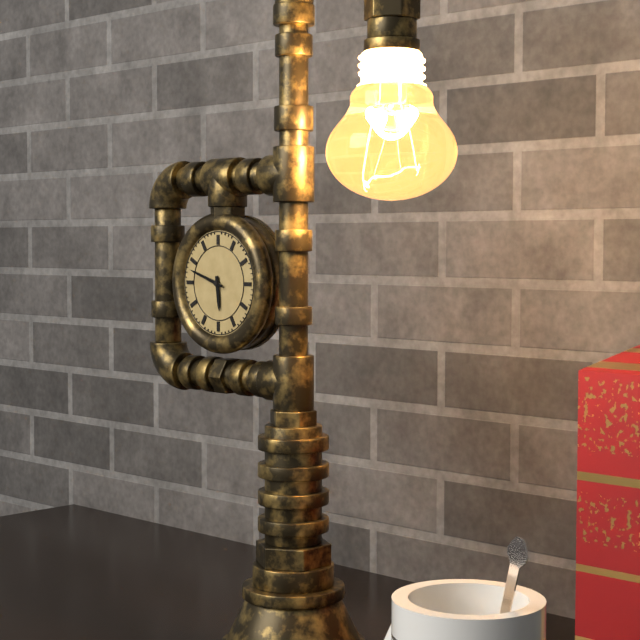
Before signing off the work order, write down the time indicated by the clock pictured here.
5:48
